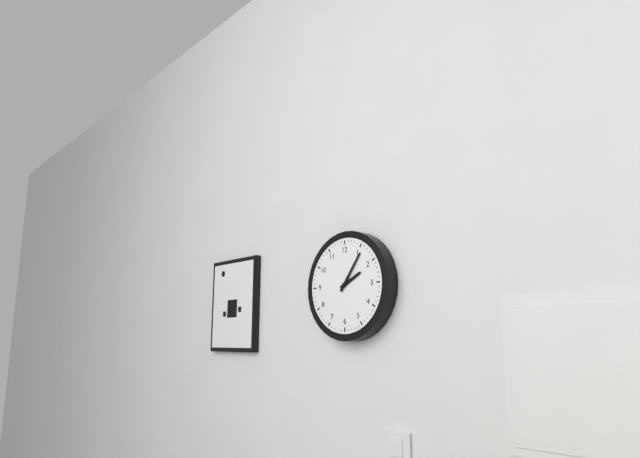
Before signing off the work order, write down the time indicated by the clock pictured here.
2:06
